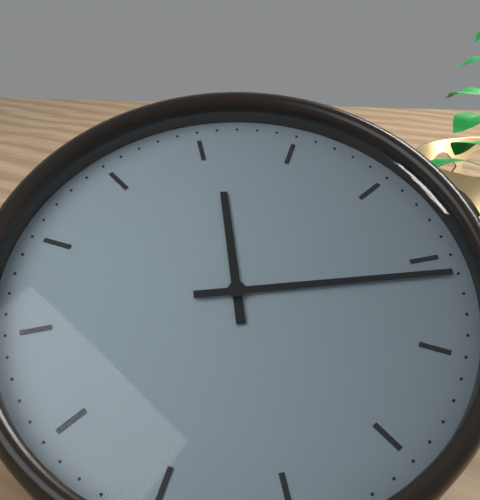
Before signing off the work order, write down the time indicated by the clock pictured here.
11:11
